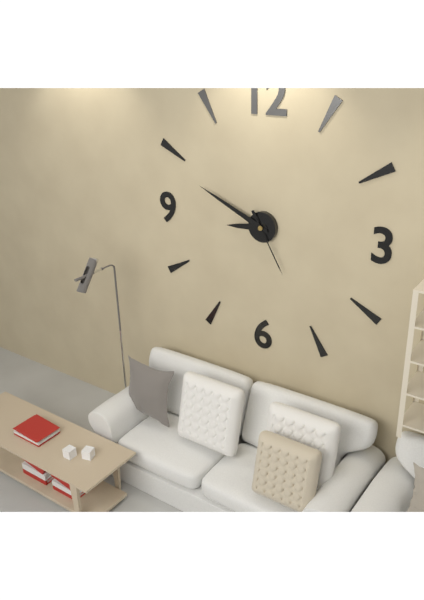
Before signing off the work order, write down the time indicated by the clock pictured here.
8:49:25
